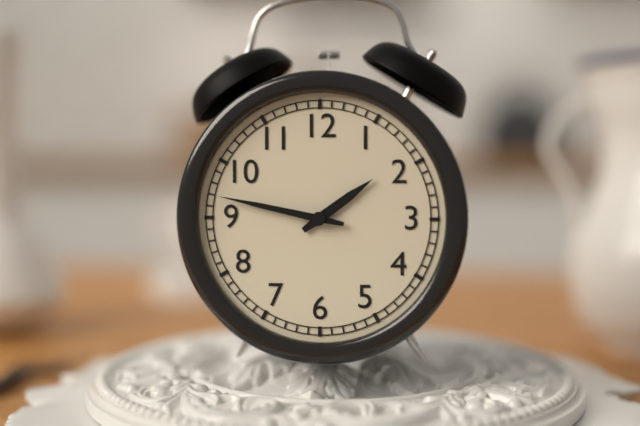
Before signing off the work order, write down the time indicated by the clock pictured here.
1:47
